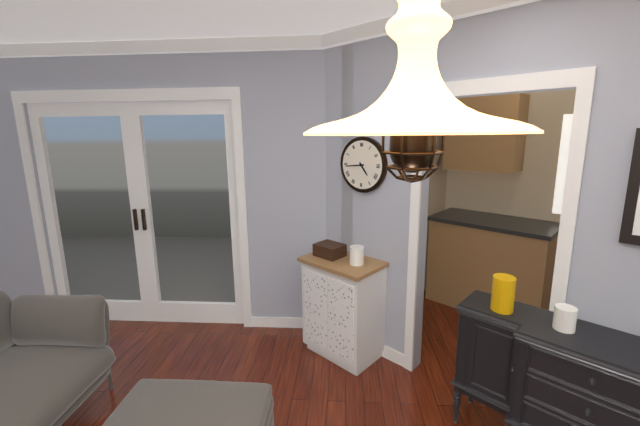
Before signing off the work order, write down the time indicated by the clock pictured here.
4:44
